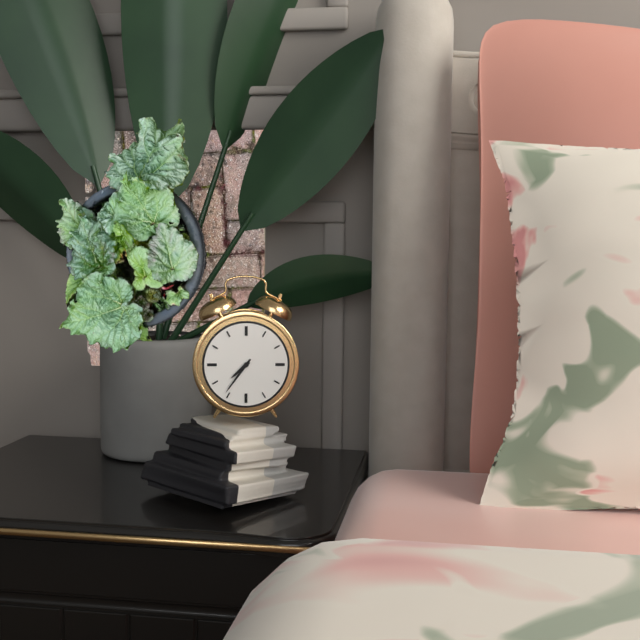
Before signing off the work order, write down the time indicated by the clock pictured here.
7:36
